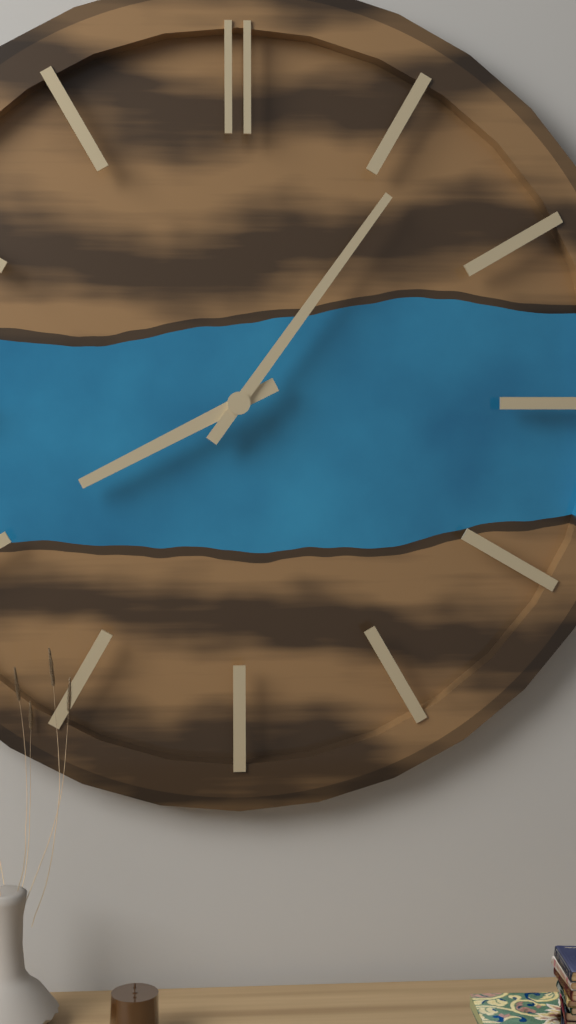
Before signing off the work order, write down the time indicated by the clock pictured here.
8:06
